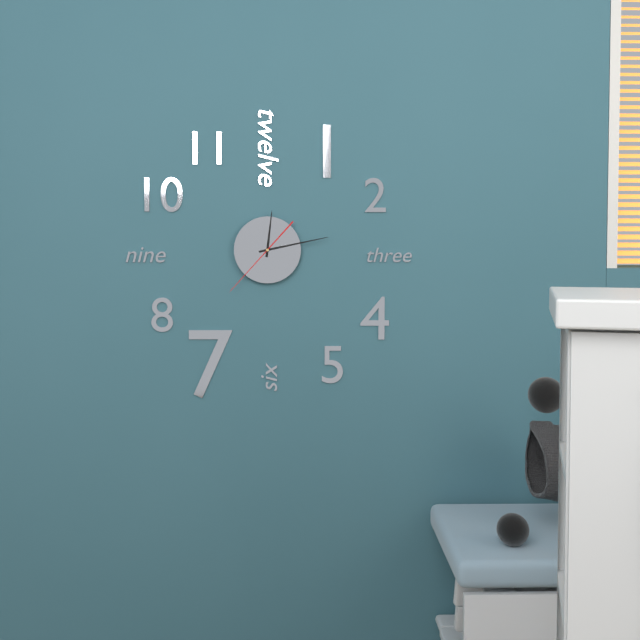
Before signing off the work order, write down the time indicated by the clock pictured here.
12:13:37
